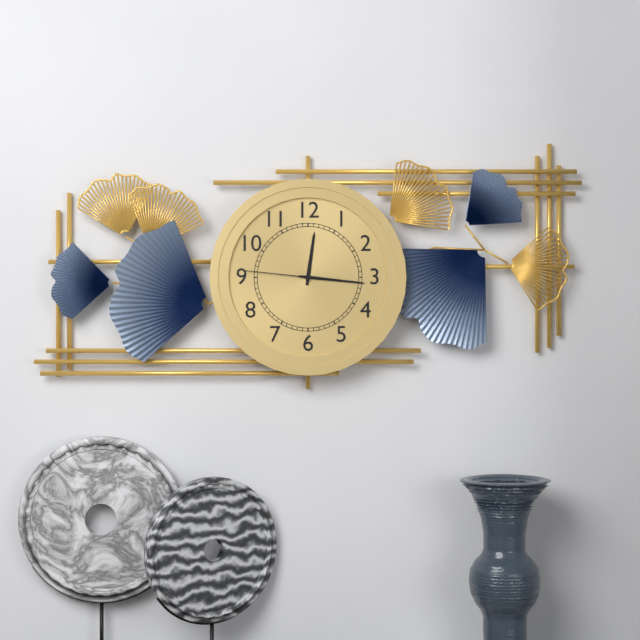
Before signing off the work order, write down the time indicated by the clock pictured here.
12:16:46
